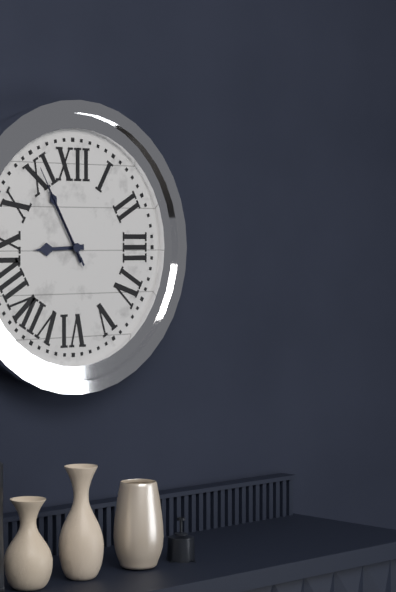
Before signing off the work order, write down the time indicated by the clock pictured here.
8:55:55
